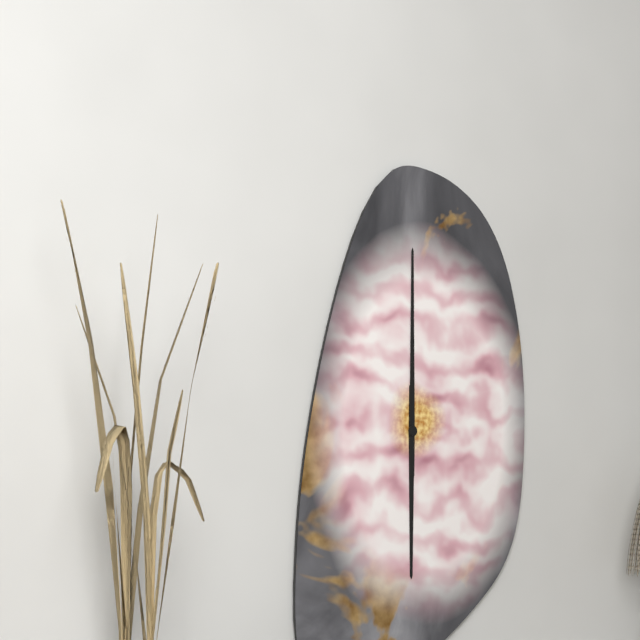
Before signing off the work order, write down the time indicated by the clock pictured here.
6:00
